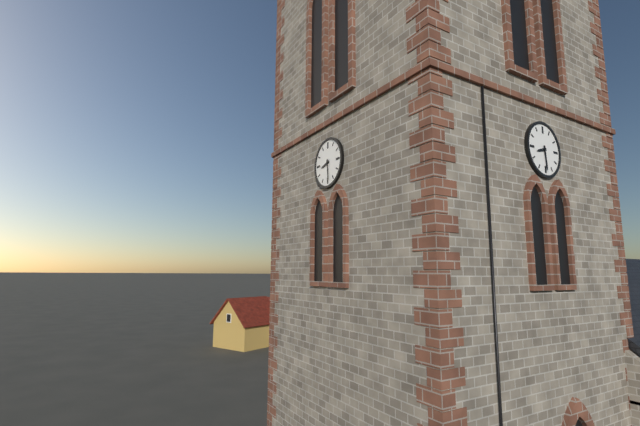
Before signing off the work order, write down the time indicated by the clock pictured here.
8:29
